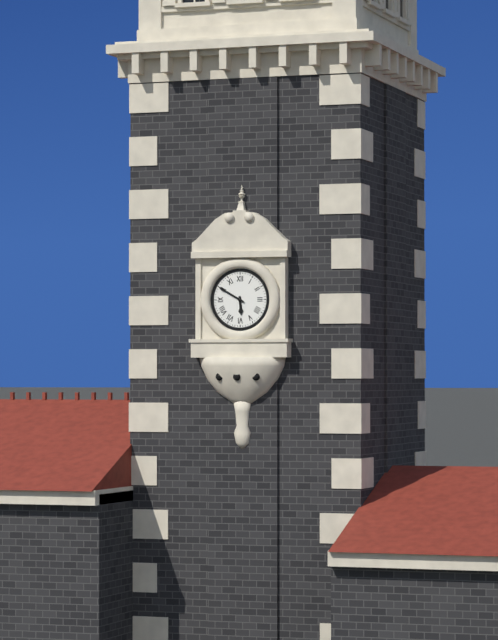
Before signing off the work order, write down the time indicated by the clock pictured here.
5:50
